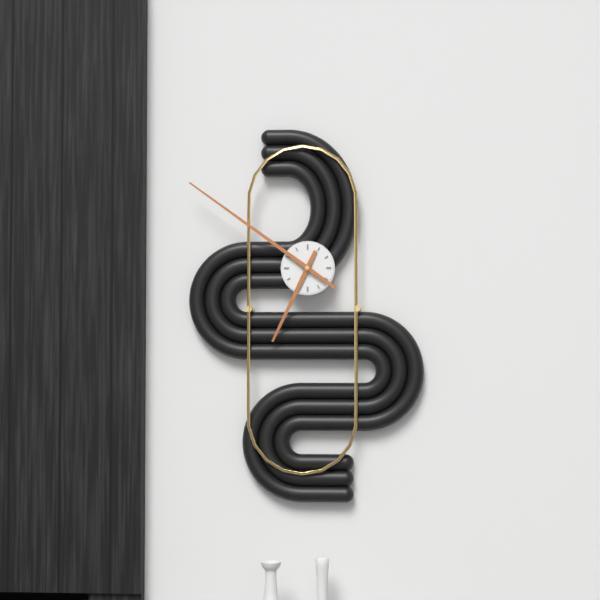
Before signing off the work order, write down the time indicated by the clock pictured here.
6:51
